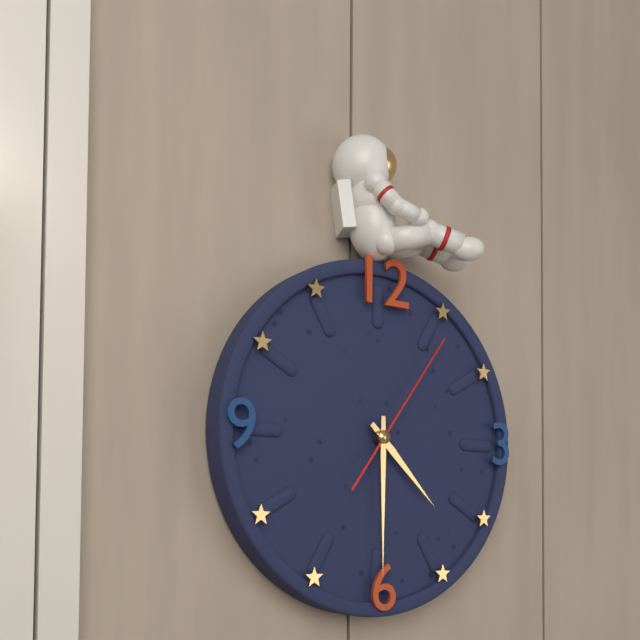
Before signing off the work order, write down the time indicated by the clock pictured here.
4:30:06
